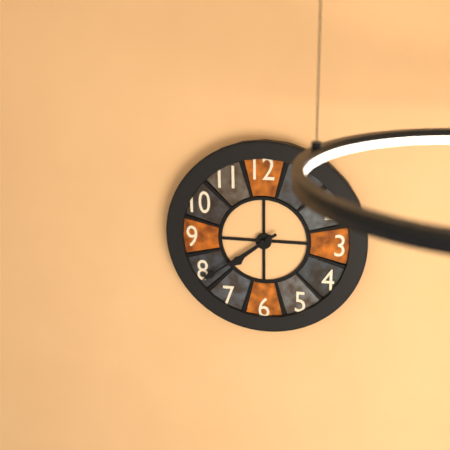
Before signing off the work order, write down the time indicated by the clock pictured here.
7:39
